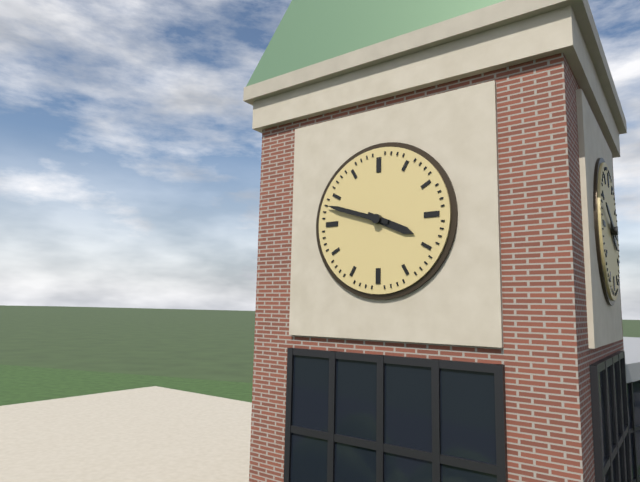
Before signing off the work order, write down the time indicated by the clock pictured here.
3:48
